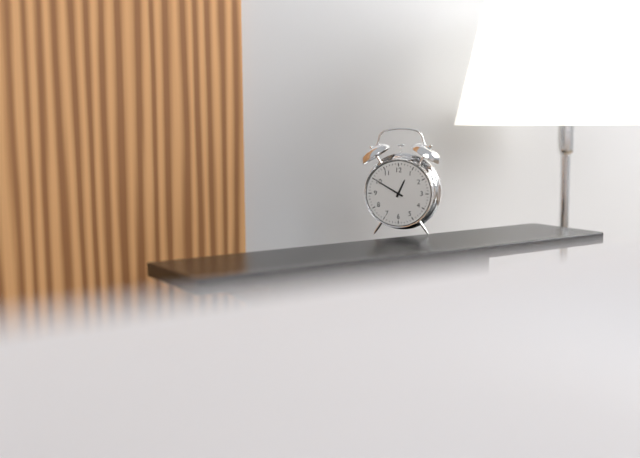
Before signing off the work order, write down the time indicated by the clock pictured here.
12:50
